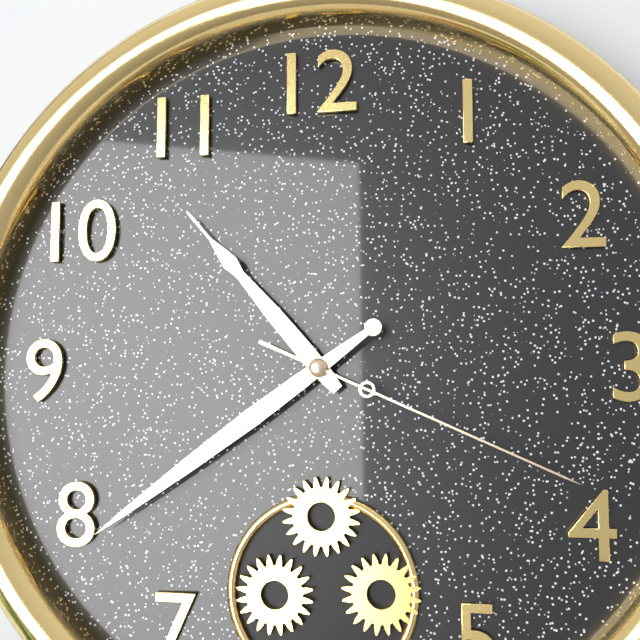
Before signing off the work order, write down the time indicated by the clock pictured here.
10:39:19
